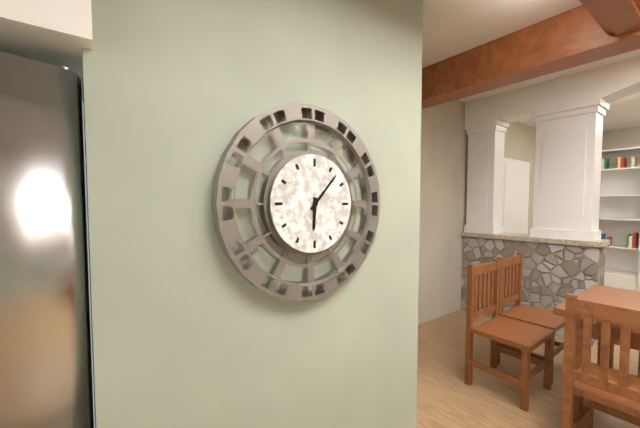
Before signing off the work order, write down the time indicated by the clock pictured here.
6:07
